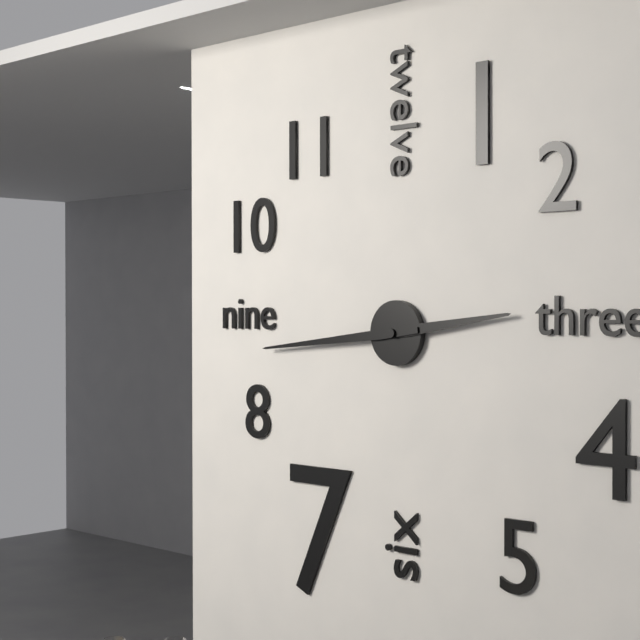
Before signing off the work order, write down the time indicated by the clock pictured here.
2:44
